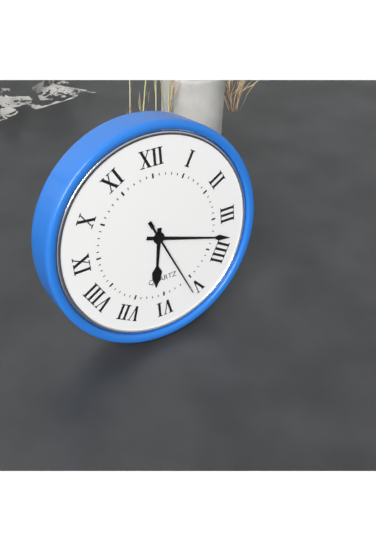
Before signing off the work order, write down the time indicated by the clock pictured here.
6:18:26
